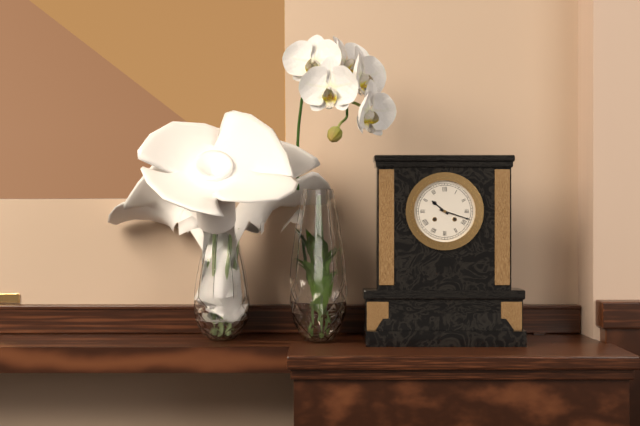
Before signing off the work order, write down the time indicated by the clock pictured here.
10:18
